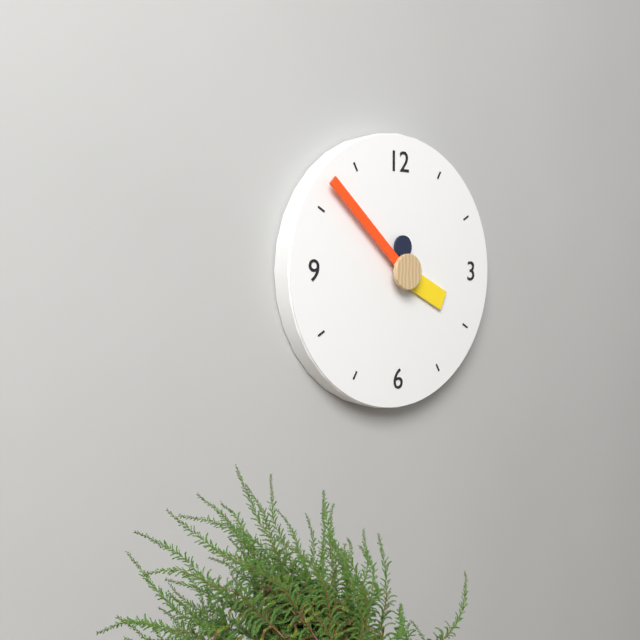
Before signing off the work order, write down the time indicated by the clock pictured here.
3:52
